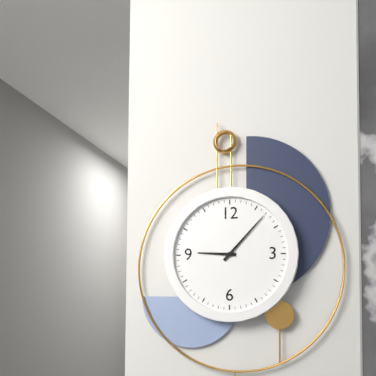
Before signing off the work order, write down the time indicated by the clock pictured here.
9:07
